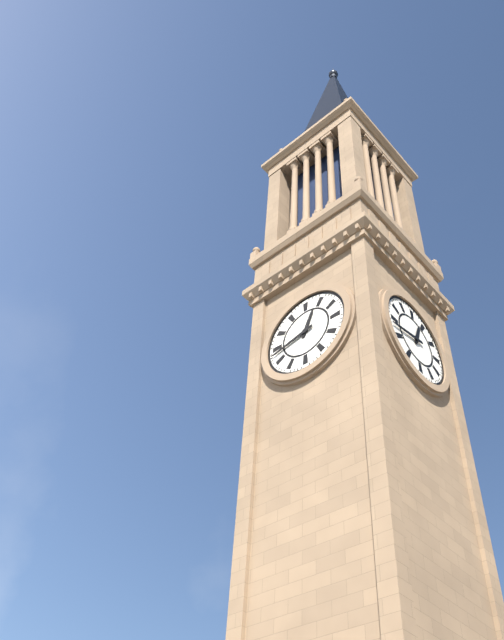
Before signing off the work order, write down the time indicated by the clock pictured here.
12:43
